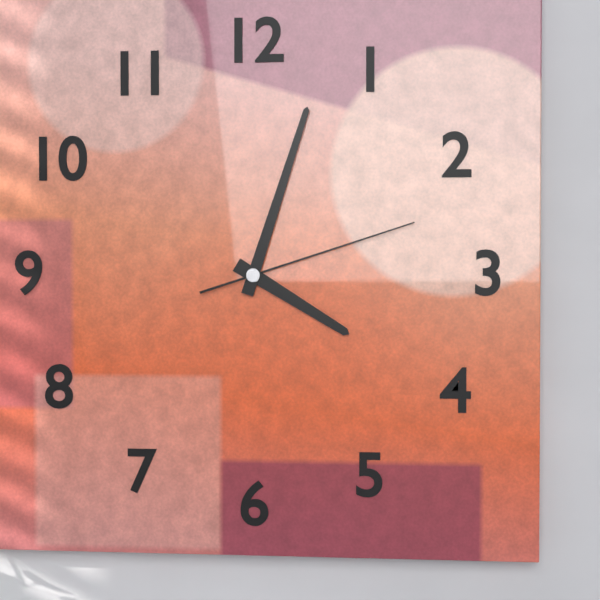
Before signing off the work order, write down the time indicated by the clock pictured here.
4:03:12
